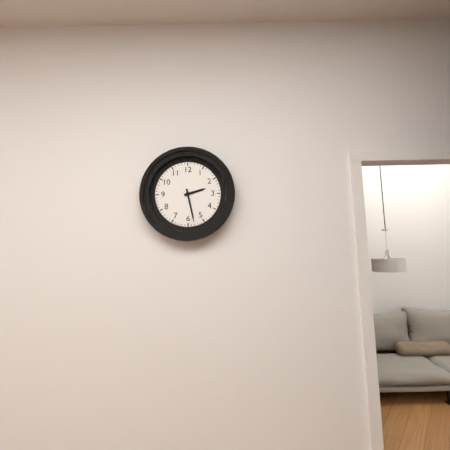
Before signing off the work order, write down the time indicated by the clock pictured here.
2:28
